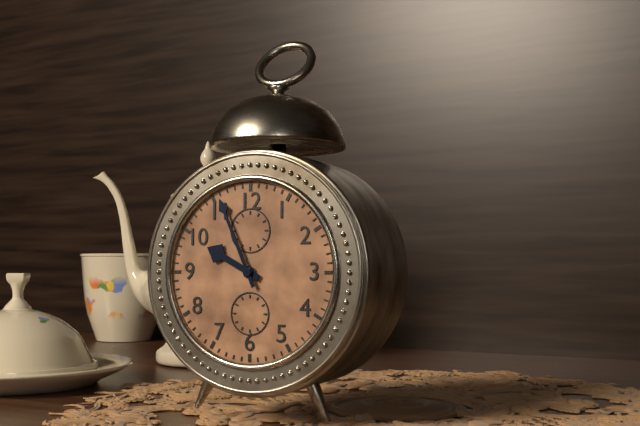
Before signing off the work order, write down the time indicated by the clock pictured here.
9:56
